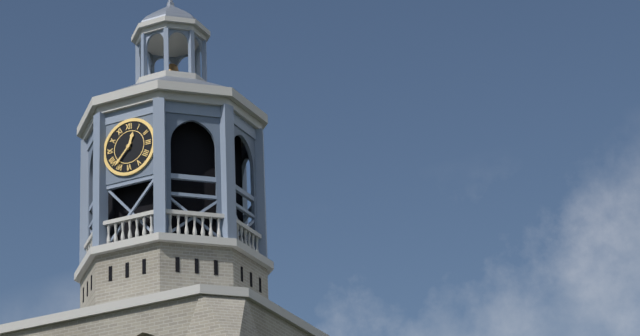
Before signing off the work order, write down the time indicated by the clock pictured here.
12:37
